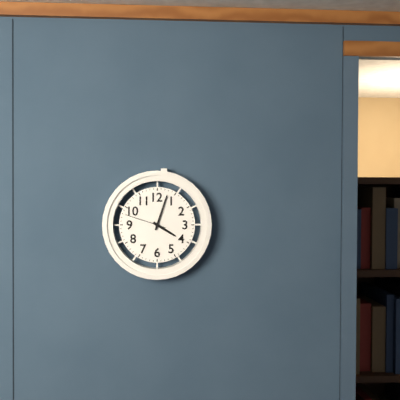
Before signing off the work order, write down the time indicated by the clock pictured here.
4:03
